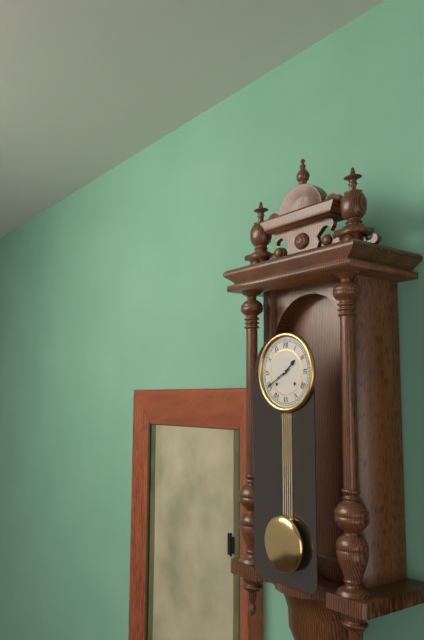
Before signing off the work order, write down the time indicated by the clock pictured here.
1:40
